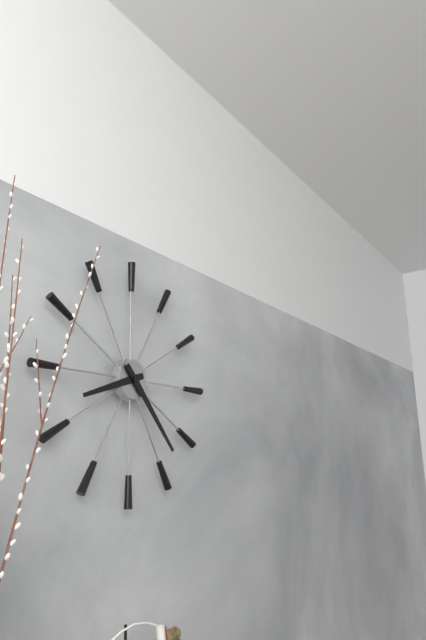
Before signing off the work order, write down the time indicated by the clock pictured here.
8:23
